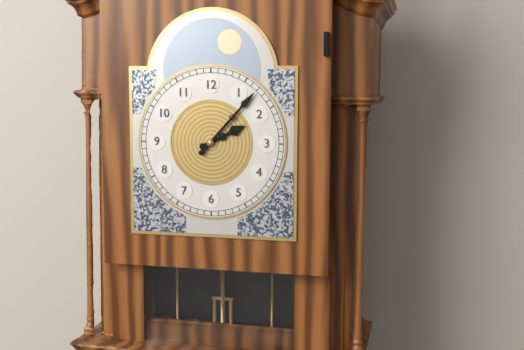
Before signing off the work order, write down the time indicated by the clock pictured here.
2:07
